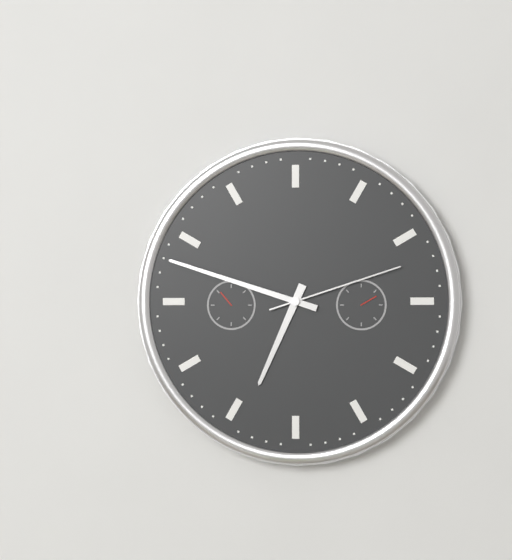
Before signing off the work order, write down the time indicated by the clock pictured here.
6:48:12
